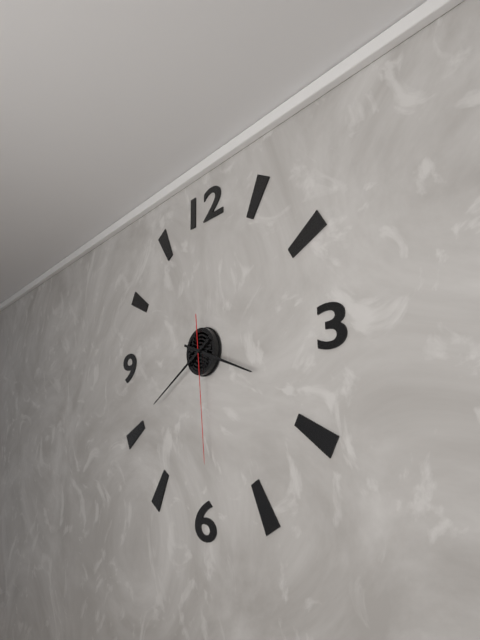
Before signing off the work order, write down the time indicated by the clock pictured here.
3:40:29
